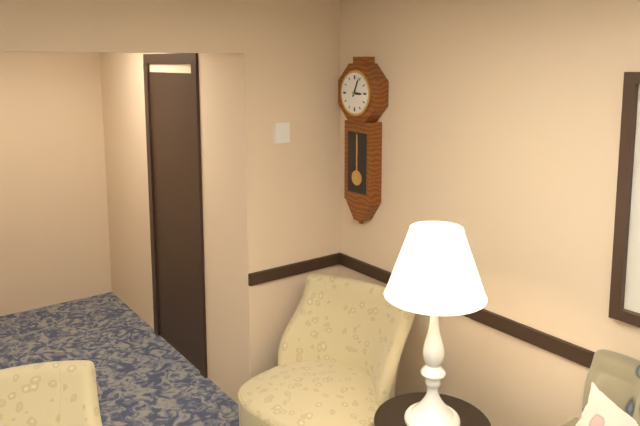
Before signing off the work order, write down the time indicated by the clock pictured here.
3:04
